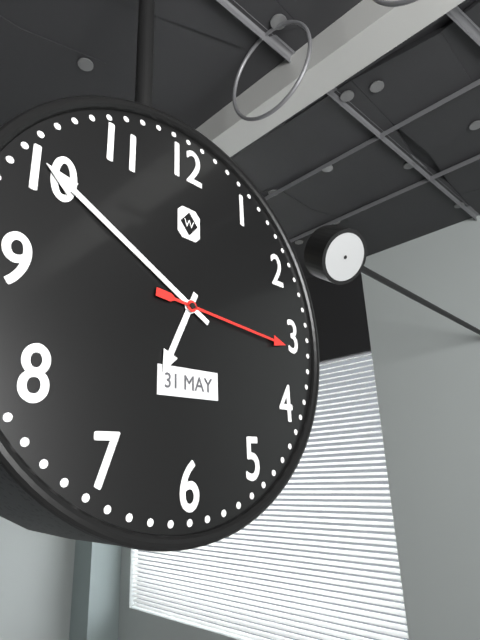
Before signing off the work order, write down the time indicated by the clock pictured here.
6:50:16
